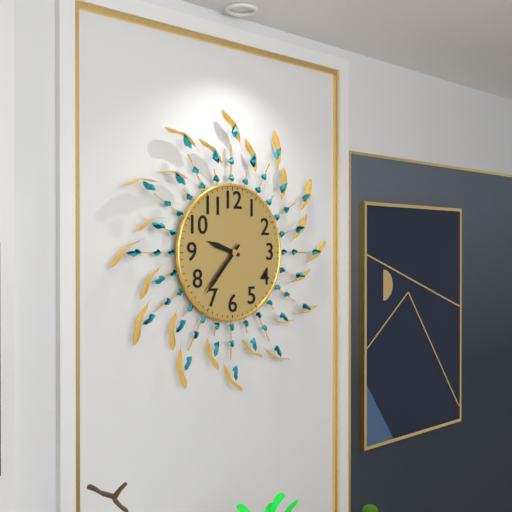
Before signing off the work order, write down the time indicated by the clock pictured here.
9:37
